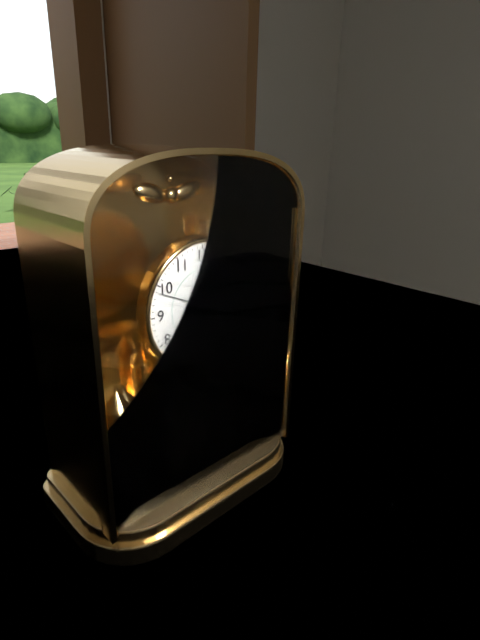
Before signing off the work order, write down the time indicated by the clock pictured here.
6:04:49
